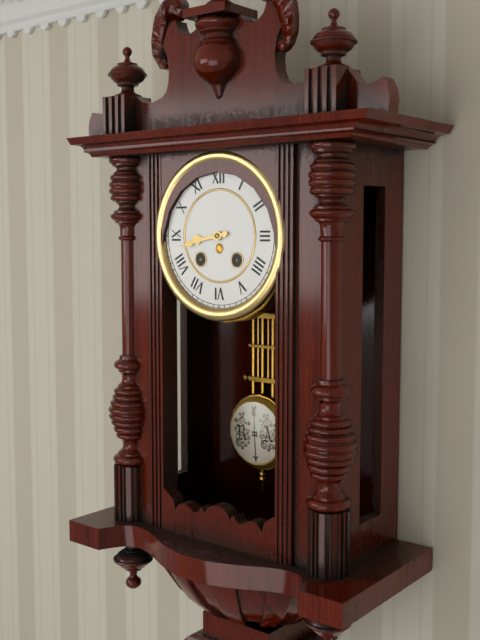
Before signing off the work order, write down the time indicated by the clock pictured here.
8:43
